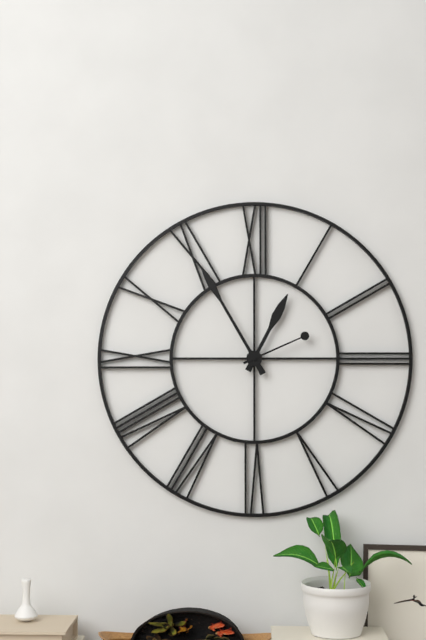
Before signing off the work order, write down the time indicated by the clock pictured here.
12:55:11
